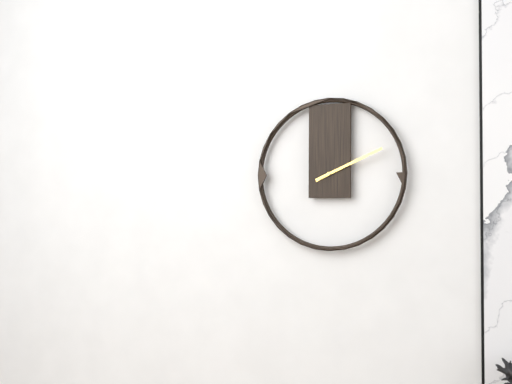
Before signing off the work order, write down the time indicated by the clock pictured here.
2:11
